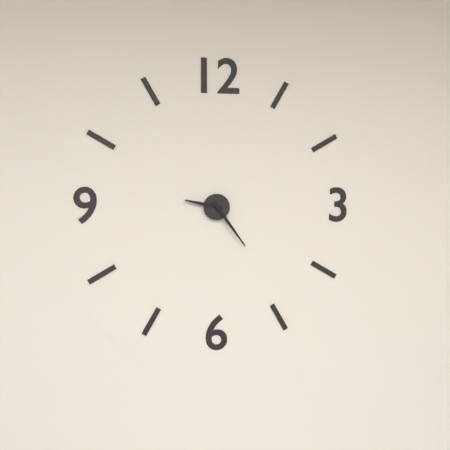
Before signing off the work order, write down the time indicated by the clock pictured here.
9:24
